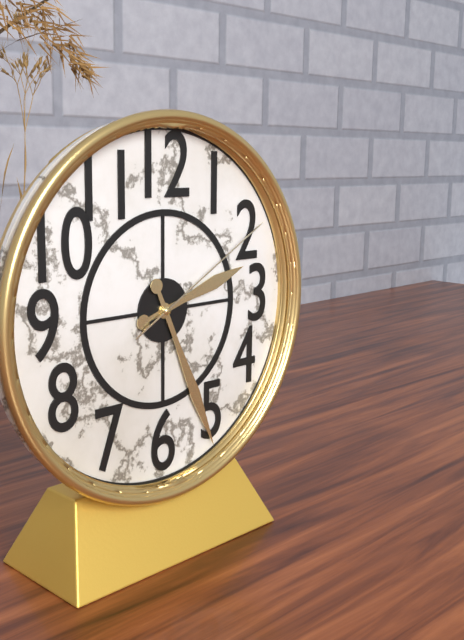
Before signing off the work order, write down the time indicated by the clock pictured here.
2:26:10
